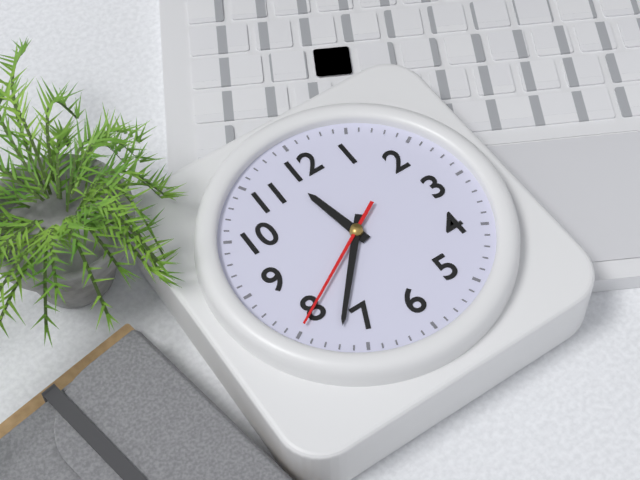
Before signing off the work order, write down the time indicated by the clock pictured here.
11:37:40
